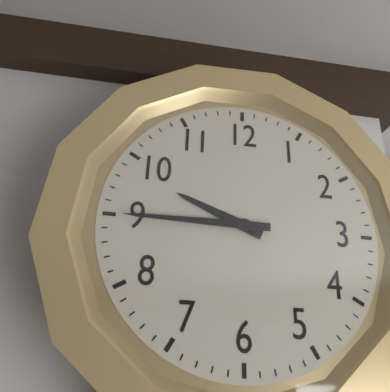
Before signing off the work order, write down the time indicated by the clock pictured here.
9:45
